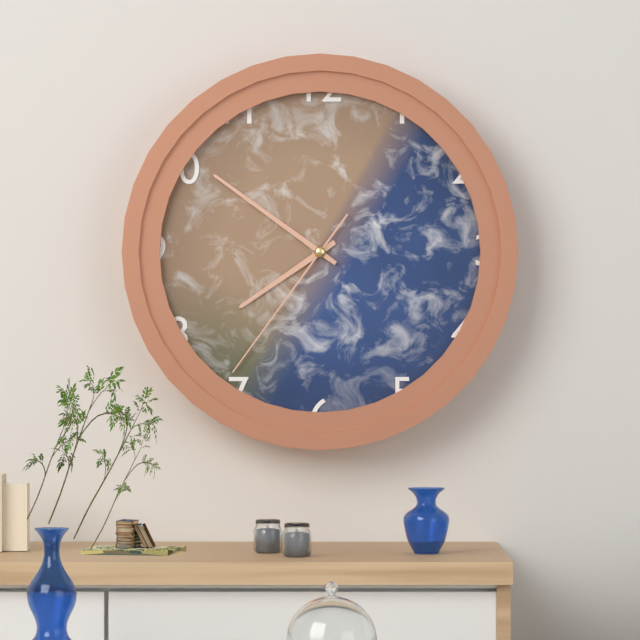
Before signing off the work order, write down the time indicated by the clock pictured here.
7:51:36
